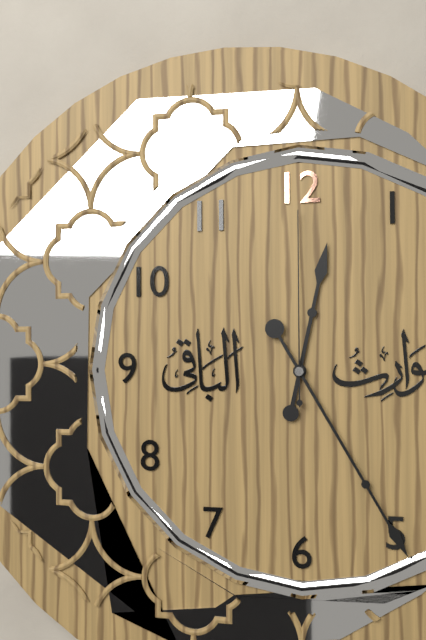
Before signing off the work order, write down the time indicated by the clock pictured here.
12:25:00
